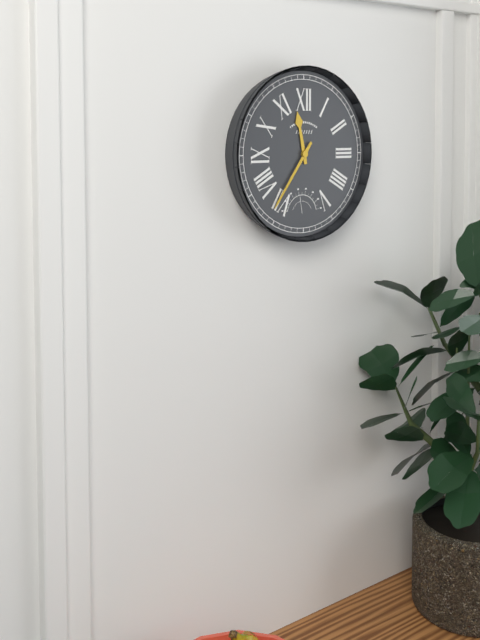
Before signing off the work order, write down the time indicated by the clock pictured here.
11:36
